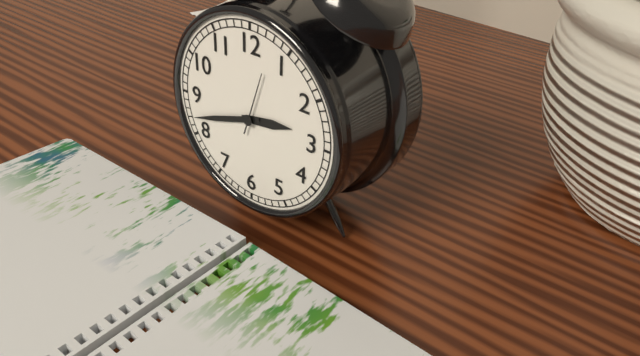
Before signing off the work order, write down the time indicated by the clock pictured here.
2:42:03
